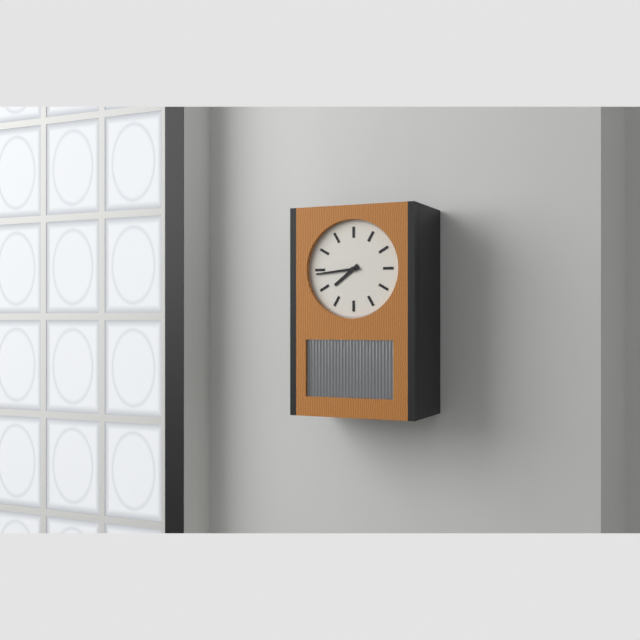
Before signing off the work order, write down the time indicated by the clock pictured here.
7:44
